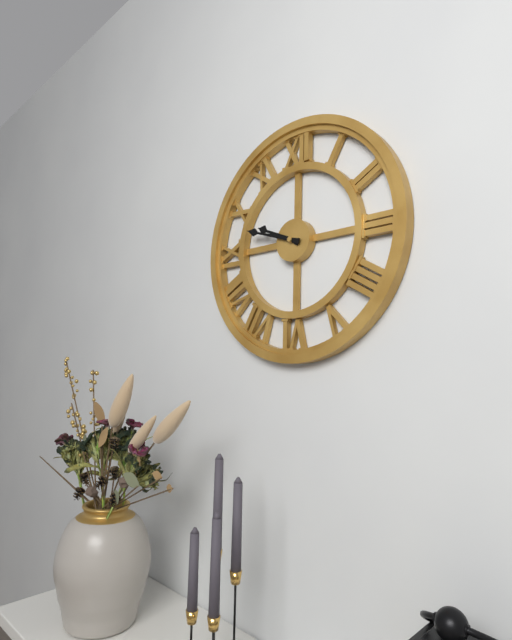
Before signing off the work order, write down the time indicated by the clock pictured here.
9:48
